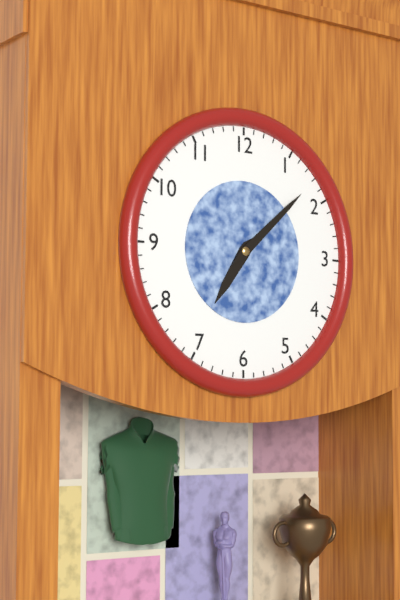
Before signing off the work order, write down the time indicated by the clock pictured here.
7:08
